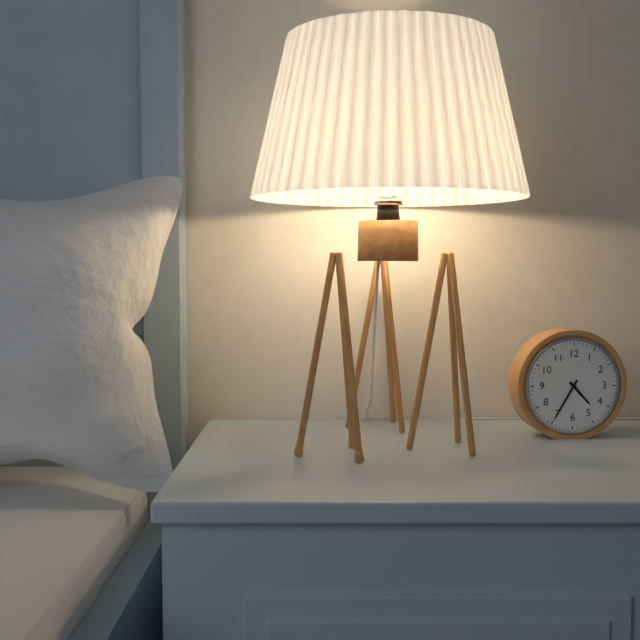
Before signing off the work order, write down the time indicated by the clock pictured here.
4:35
